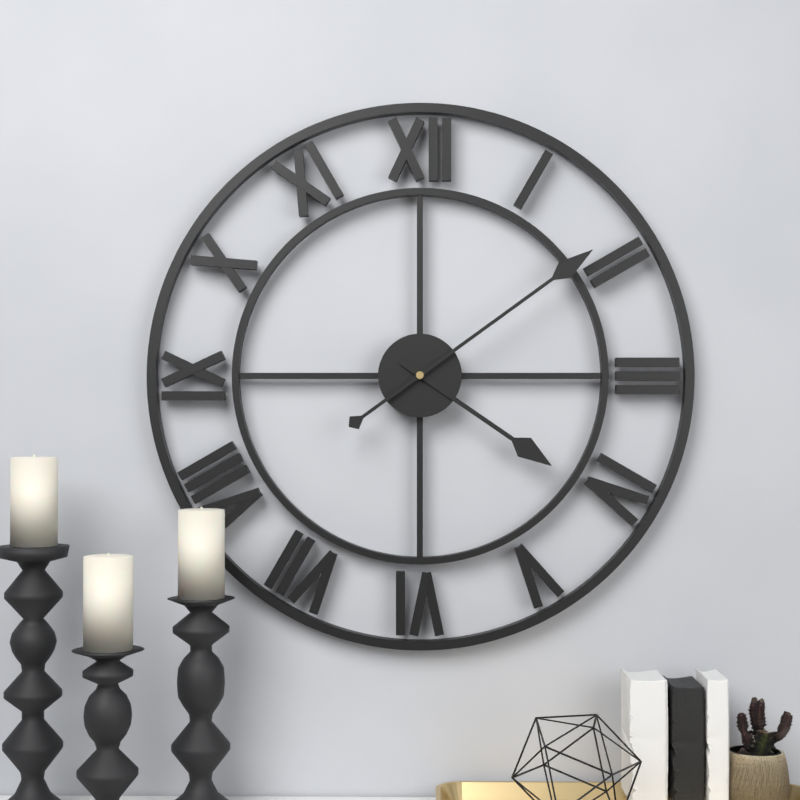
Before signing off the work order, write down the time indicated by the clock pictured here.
4:09
